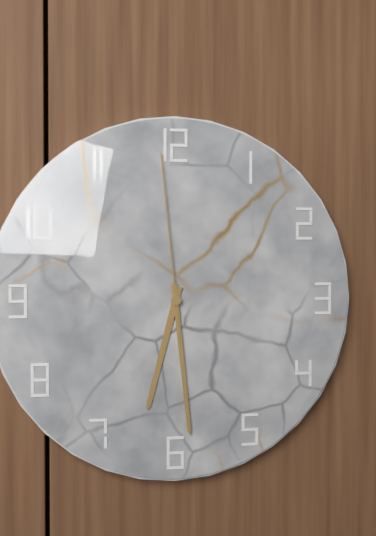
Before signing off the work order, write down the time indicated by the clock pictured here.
6:29:59
